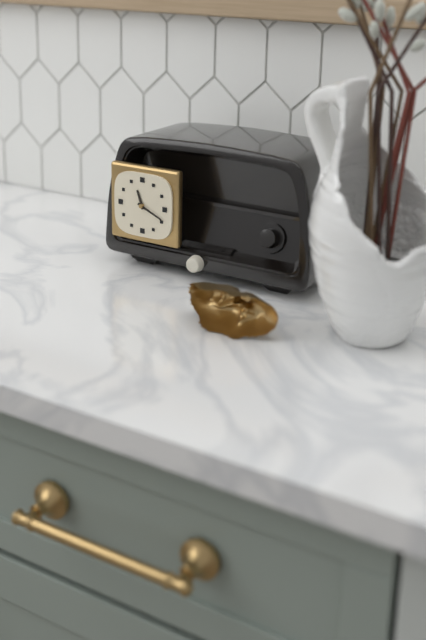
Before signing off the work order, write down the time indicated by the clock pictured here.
11:19
